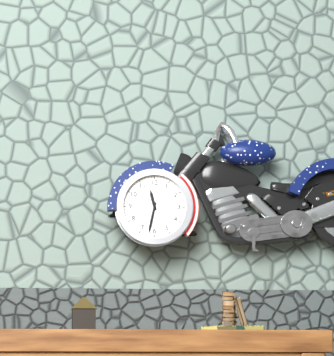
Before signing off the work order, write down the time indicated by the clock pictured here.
11:32
